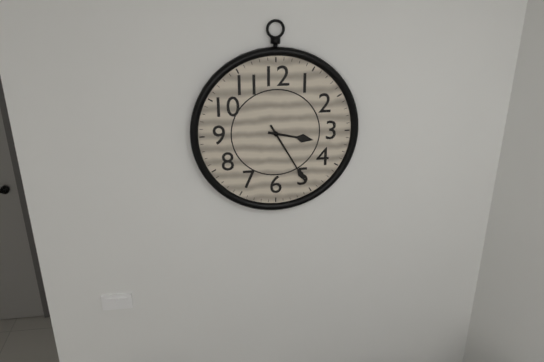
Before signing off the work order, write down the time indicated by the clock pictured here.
3:25
